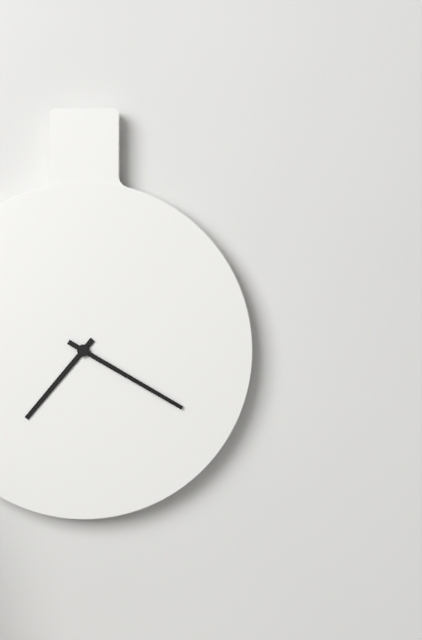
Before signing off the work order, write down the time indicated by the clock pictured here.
7:20
